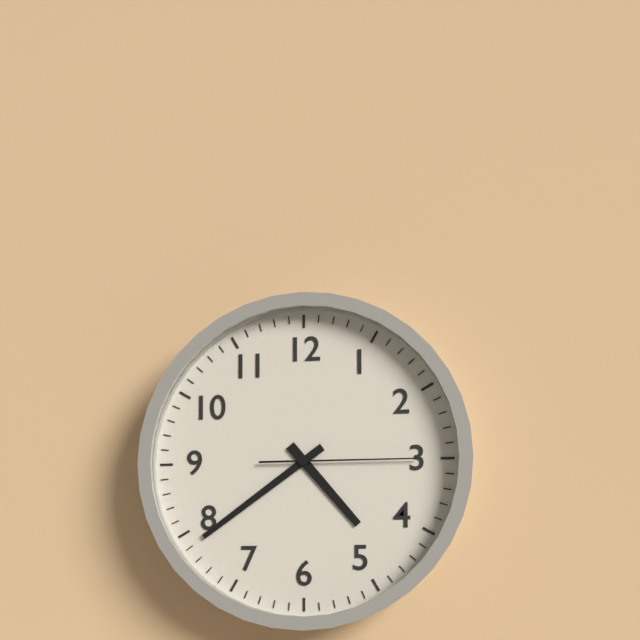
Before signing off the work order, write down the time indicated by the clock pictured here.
4:39:15
